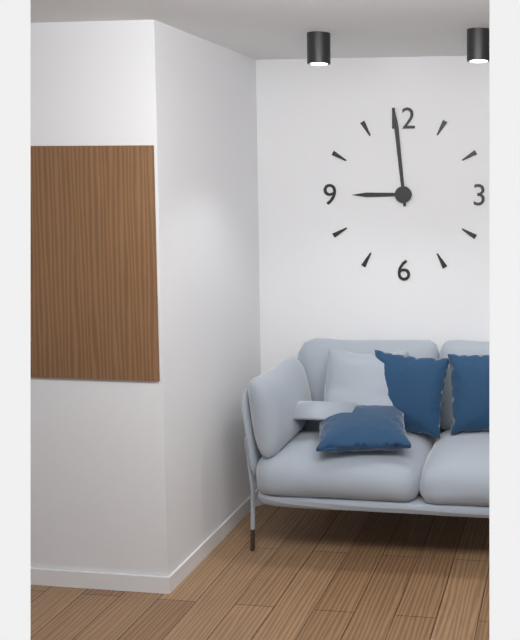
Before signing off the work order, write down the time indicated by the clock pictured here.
8:59
